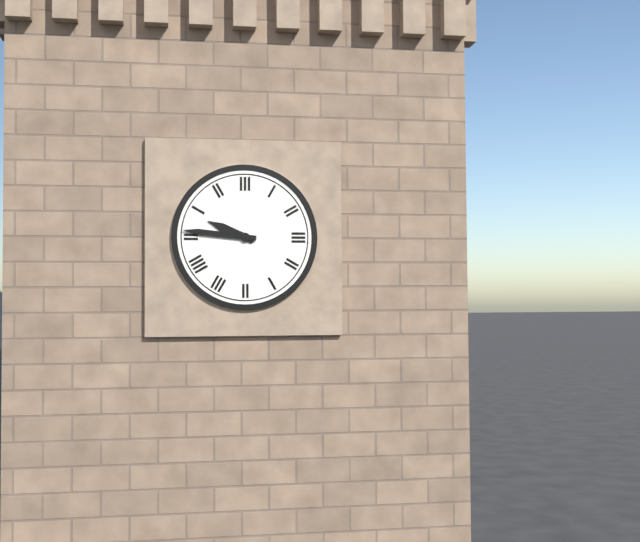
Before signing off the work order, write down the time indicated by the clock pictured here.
9:46
